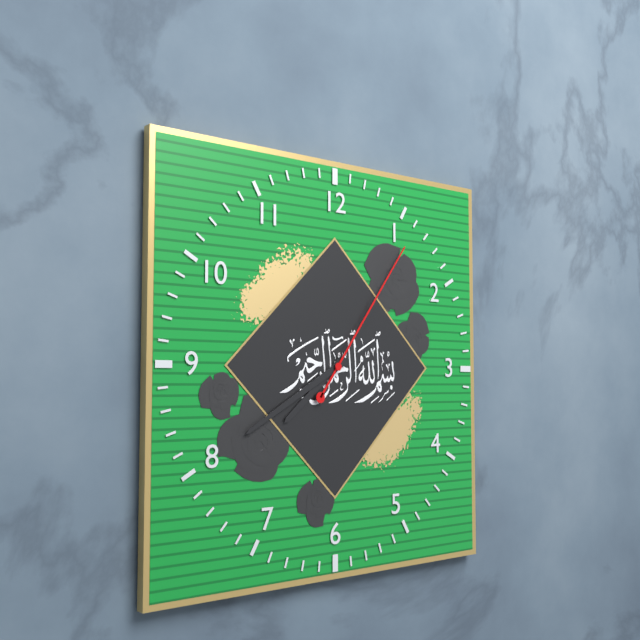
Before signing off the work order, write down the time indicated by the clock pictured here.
7:40:06
